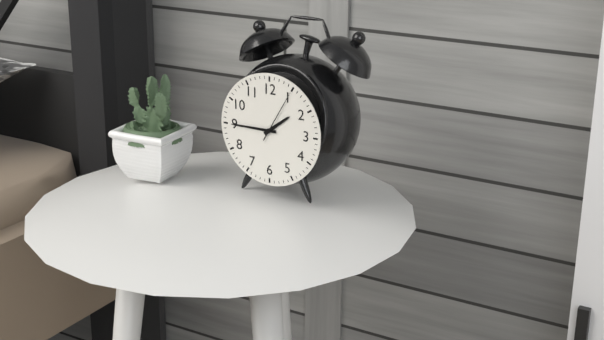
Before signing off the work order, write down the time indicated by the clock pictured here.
1:45:05
